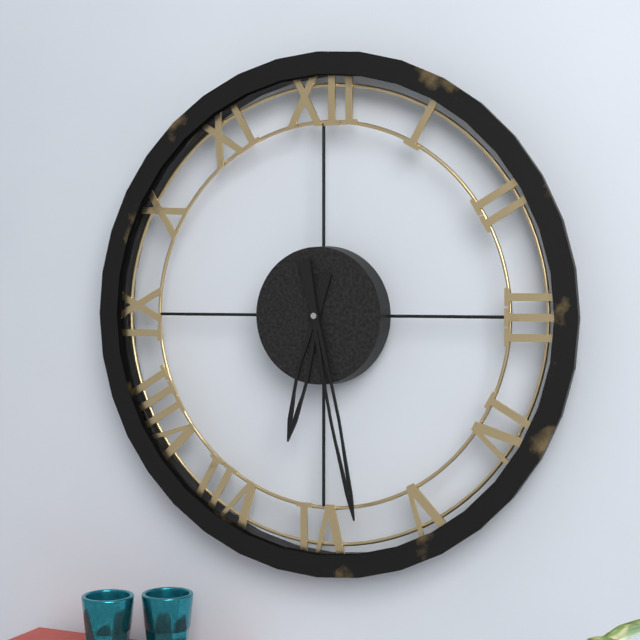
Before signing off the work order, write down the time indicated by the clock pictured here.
6:28
